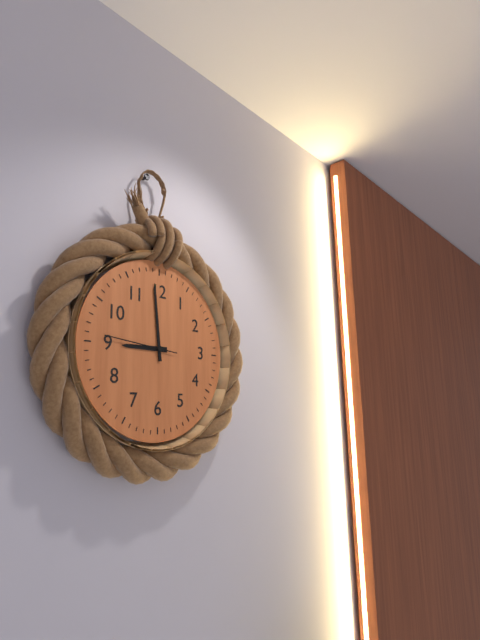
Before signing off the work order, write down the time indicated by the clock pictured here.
8:59:46
